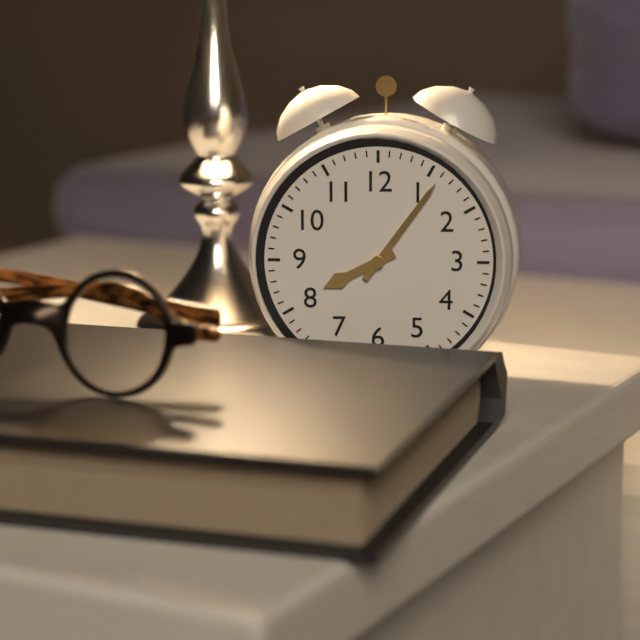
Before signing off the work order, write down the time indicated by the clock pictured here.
8:06
